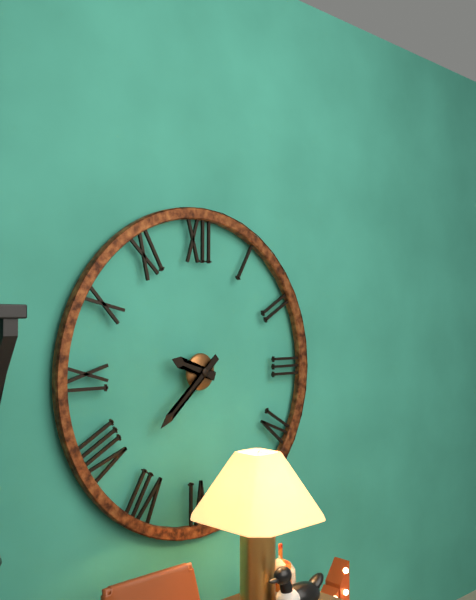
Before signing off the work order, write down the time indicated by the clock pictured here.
9:38
